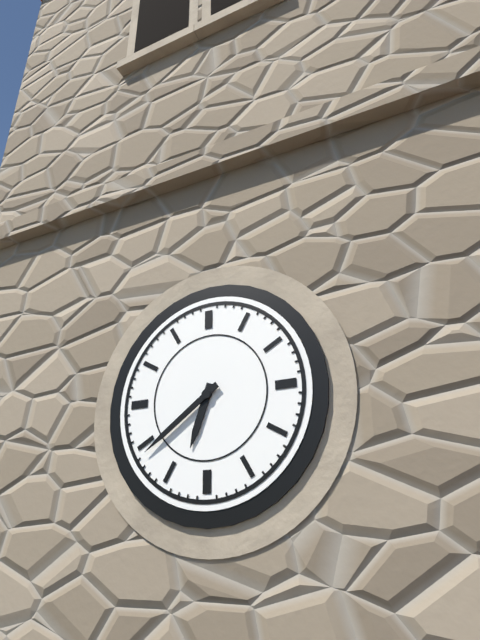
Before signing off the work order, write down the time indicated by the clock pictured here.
6:39
